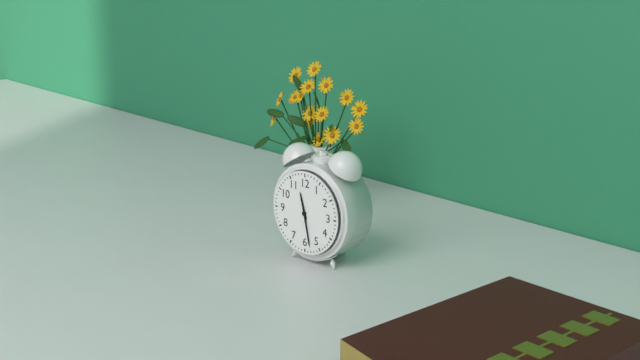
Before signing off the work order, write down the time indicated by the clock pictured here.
11:28
